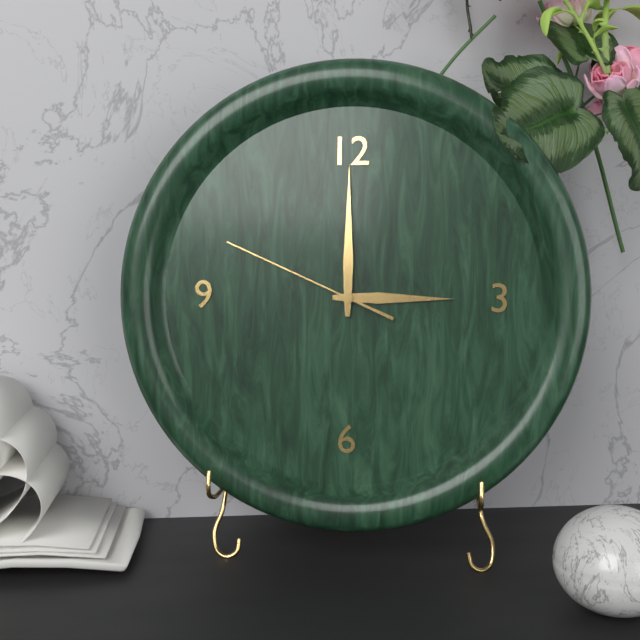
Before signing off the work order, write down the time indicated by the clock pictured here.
3:00:49
